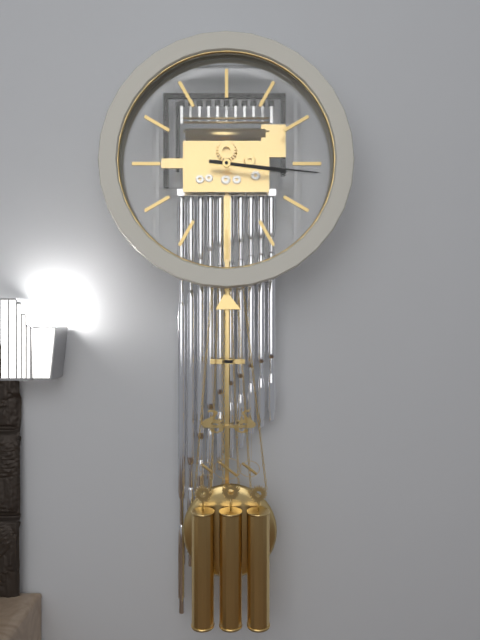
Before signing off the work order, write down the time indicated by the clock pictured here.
3:16
